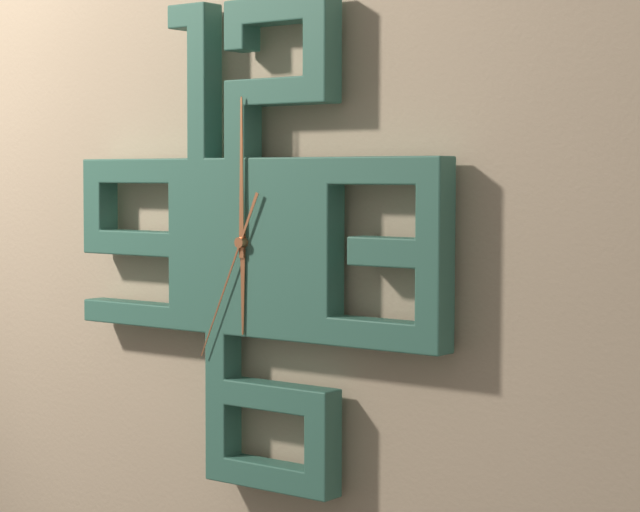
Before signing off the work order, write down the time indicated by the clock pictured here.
6:00:34
